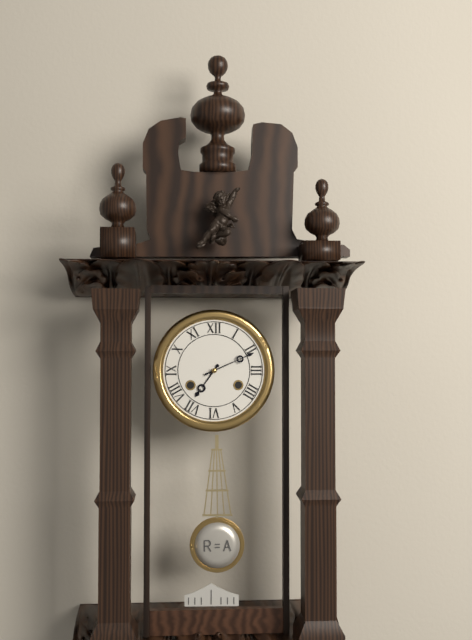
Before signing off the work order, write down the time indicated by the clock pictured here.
7:11
